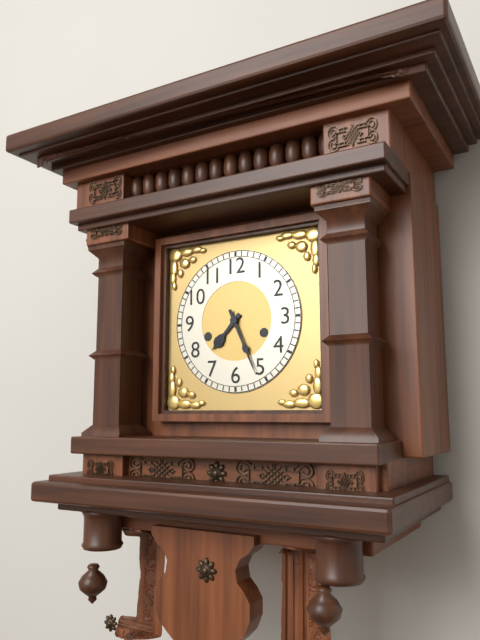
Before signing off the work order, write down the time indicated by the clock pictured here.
7:26
